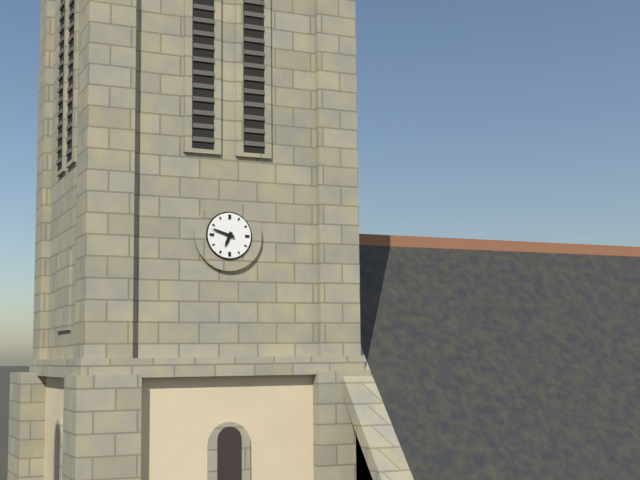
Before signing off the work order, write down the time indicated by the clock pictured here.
6:48
